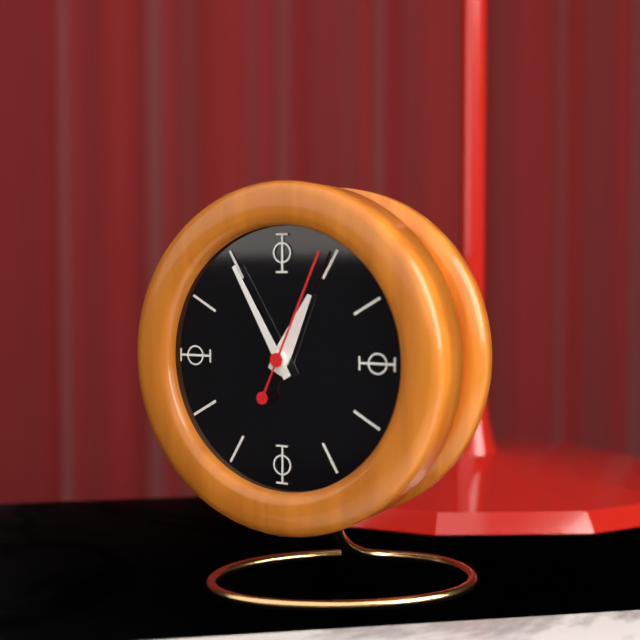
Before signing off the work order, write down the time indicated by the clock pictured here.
12:55:04
